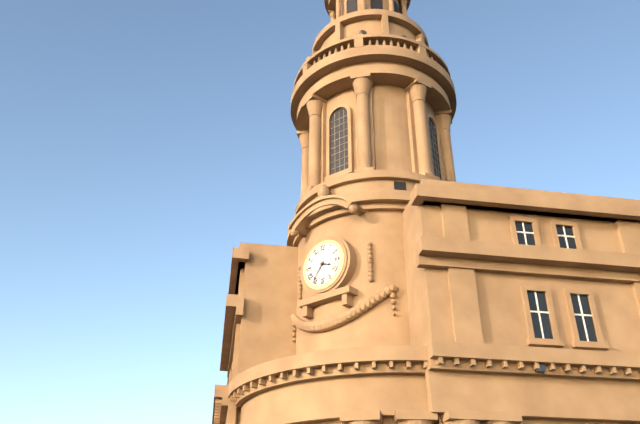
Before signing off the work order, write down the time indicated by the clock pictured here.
3:36
